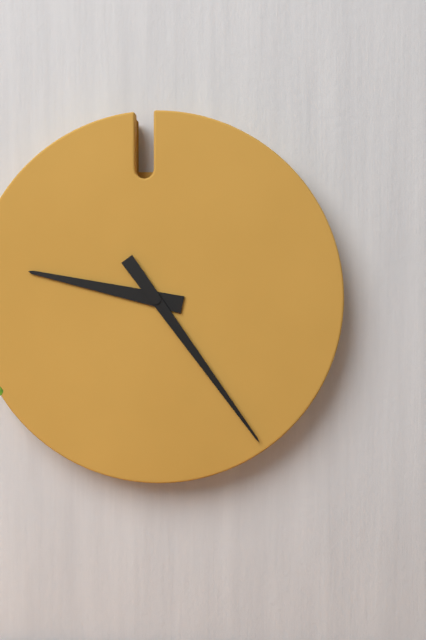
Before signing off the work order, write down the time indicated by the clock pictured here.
9:24
